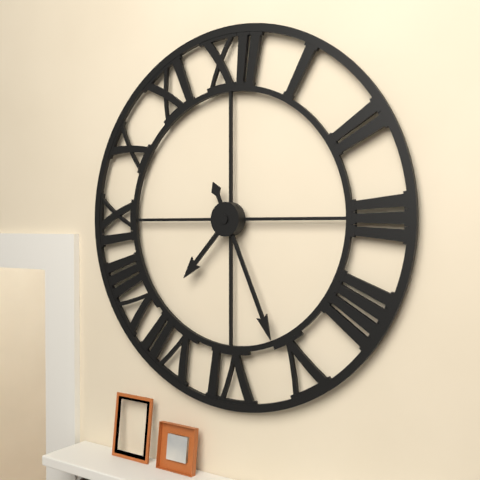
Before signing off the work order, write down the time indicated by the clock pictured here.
7:26
